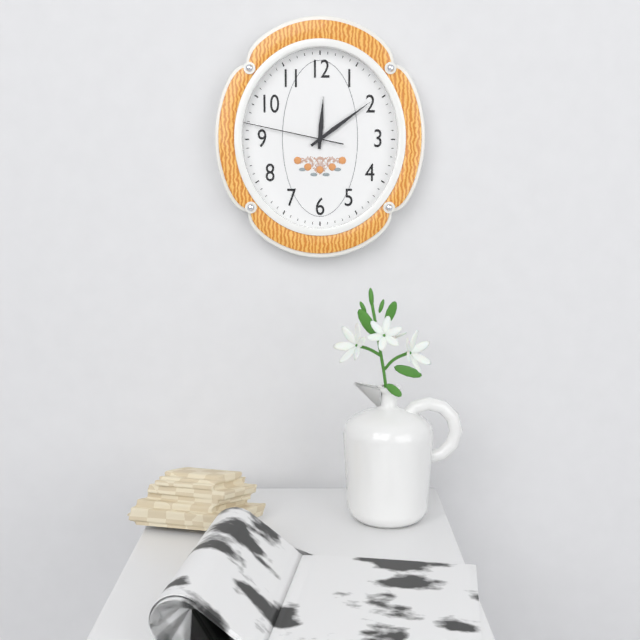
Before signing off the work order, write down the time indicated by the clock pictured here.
12:09:47
